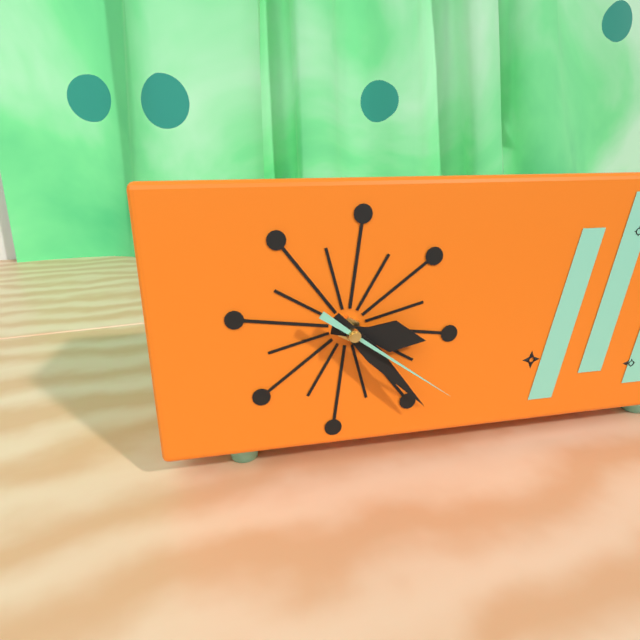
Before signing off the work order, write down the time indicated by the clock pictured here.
3:23:21
